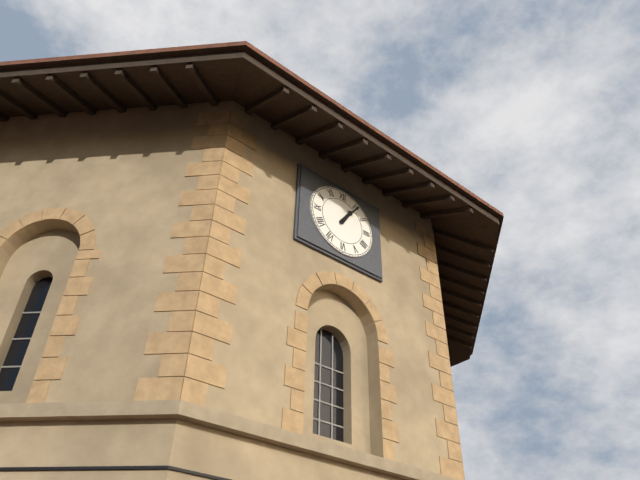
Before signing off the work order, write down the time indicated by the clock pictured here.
1:06
